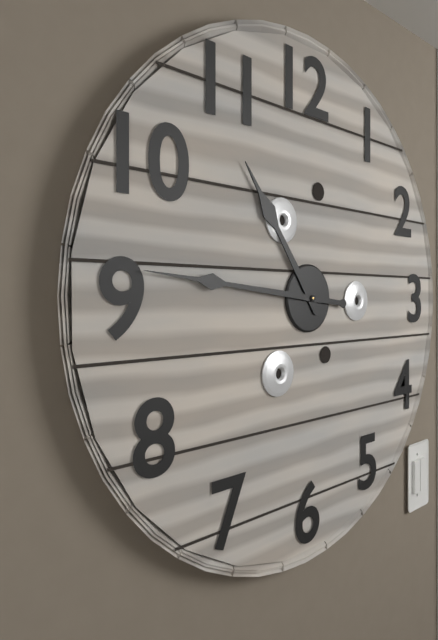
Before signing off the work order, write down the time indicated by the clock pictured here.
10:46
